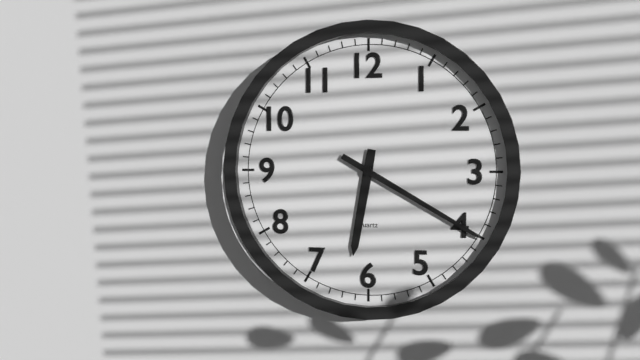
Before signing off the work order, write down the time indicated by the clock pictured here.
6:20
